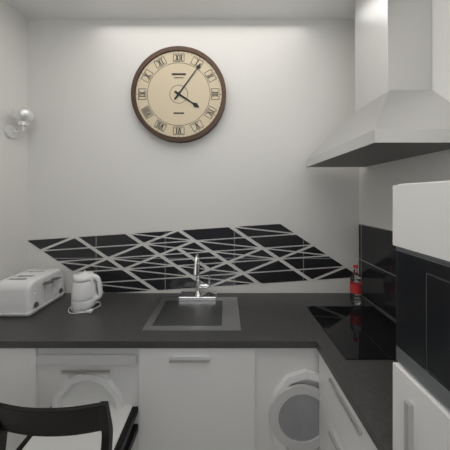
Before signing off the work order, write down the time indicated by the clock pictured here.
4:06
